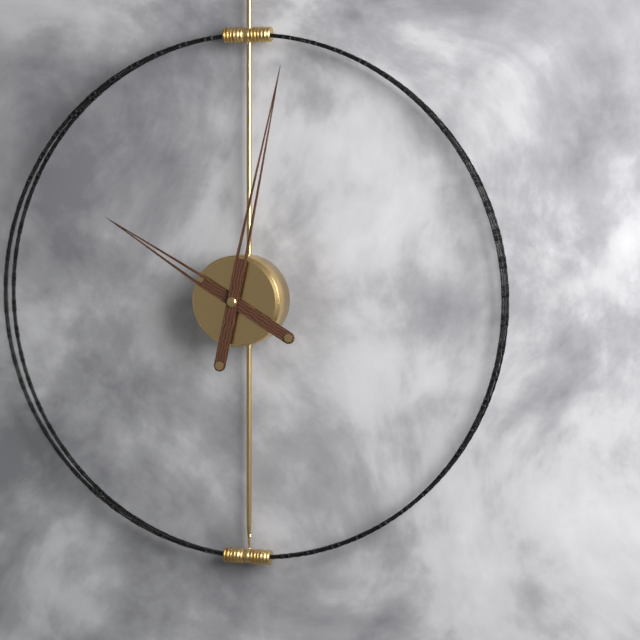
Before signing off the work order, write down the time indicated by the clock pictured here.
10:02
